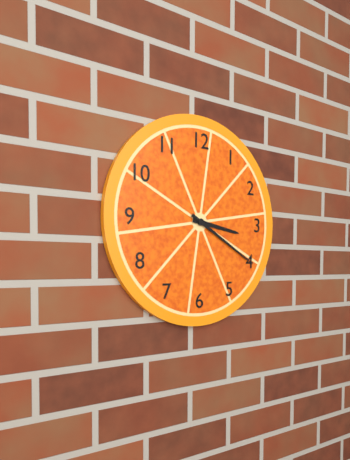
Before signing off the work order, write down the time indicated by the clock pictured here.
3:20
